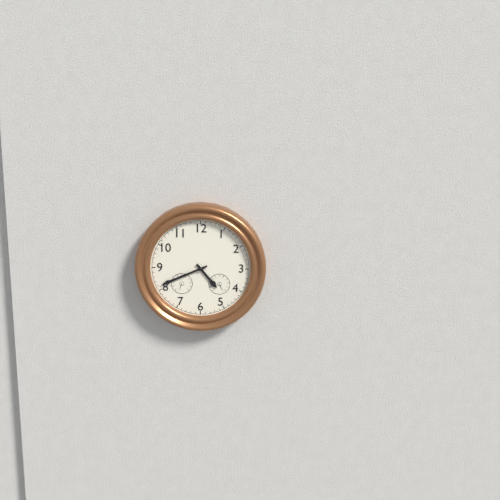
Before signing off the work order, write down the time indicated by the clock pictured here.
4:41
